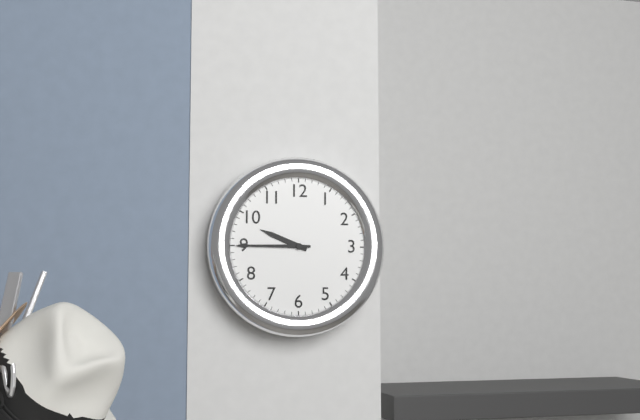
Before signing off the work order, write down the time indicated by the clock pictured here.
9:45
